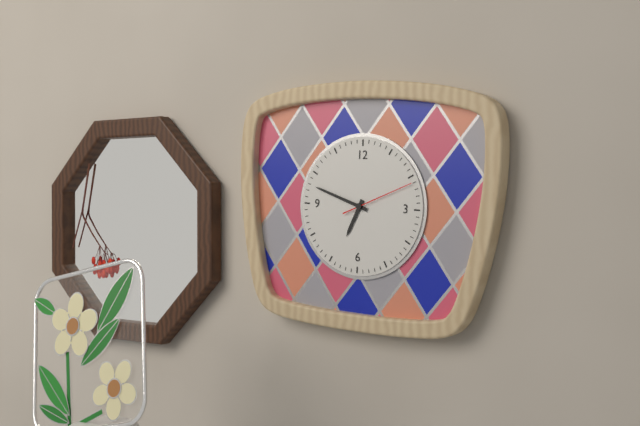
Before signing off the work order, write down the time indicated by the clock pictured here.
6:48:11
